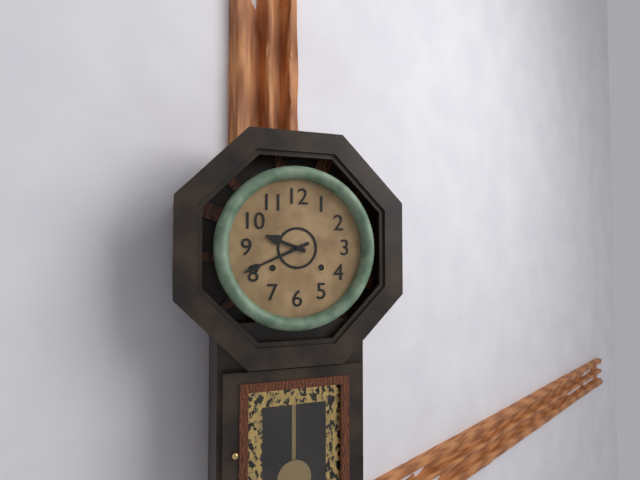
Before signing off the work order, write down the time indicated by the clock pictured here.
9:41
